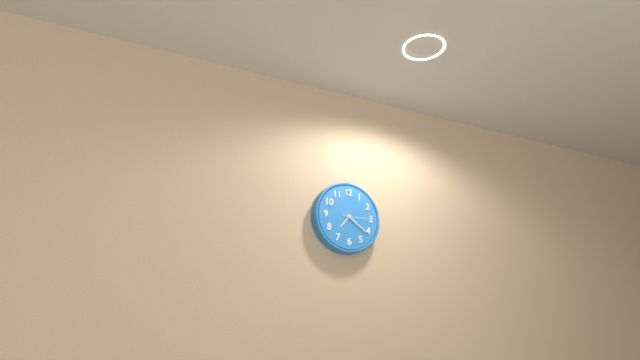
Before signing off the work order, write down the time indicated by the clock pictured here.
7:21
